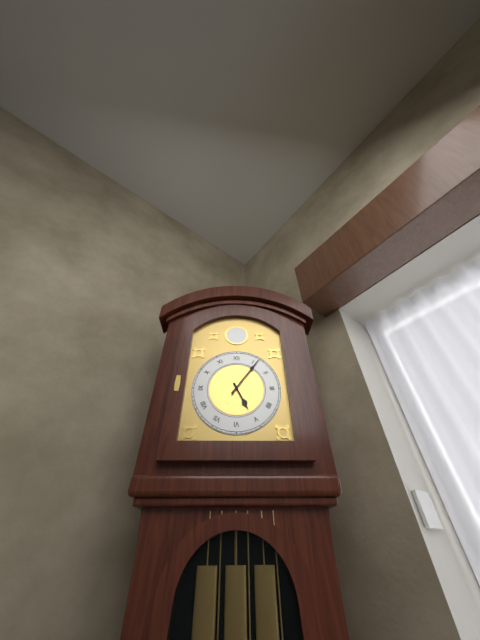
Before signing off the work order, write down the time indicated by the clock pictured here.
5:06
